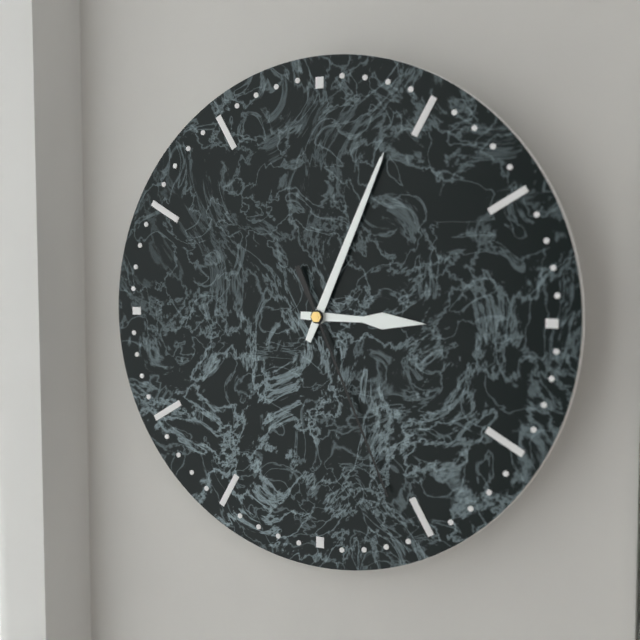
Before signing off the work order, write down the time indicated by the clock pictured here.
3:04:26
